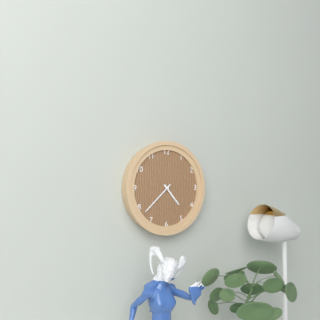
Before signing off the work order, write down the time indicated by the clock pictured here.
4:38
